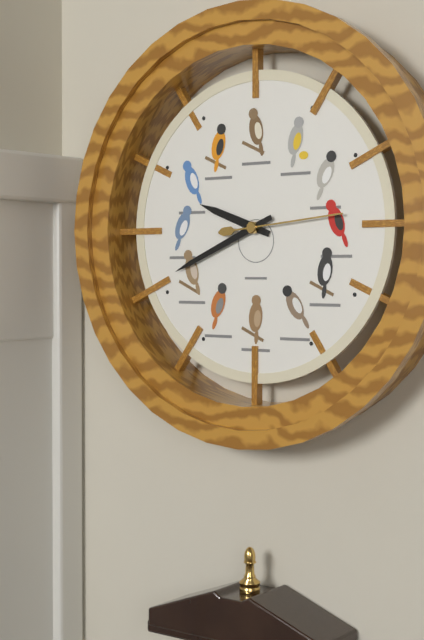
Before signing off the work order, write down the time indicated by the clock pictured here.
9:41:14
